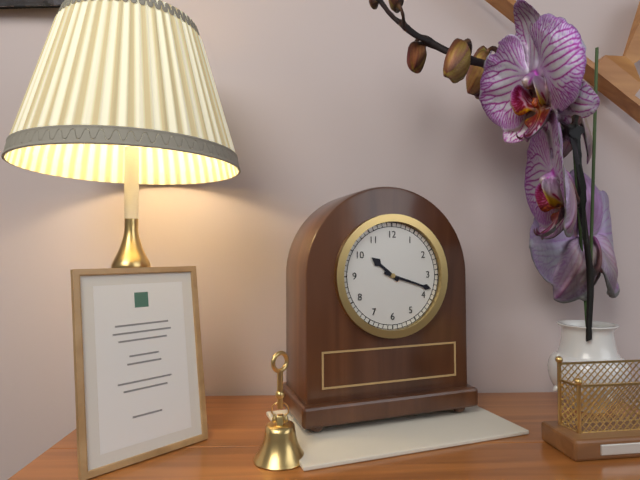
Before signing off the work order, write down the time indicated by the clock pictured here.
10:18
